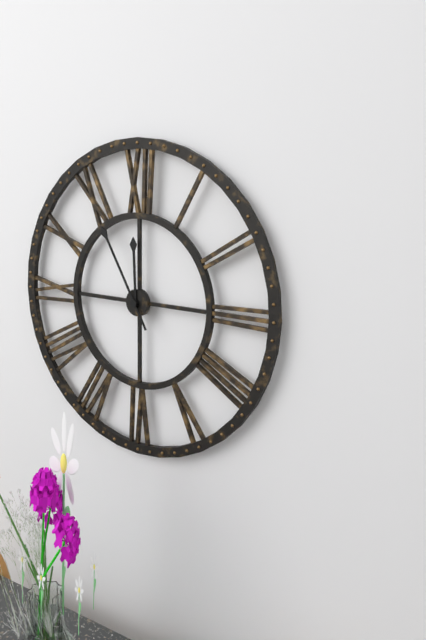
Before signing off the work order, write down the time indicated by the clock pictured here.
11:55
